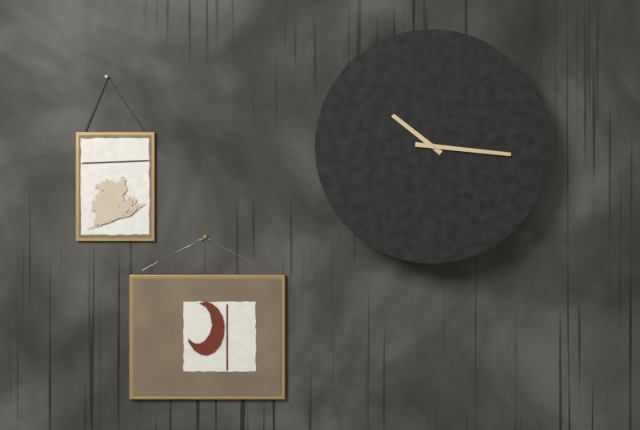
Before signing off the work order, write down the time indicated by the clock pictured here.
10:16
